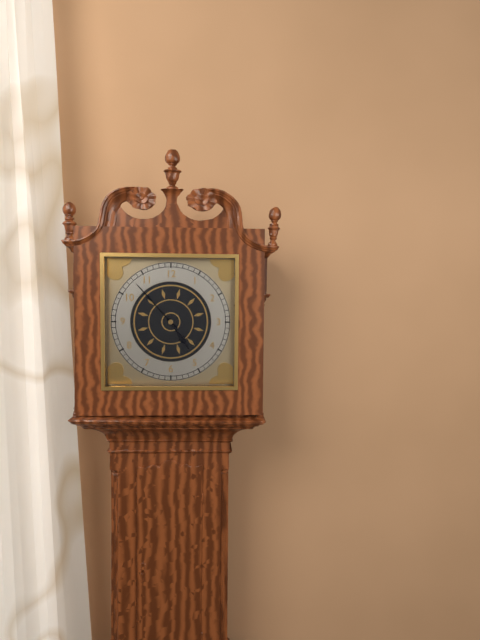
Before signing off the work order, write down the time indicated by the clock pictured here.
4:53
